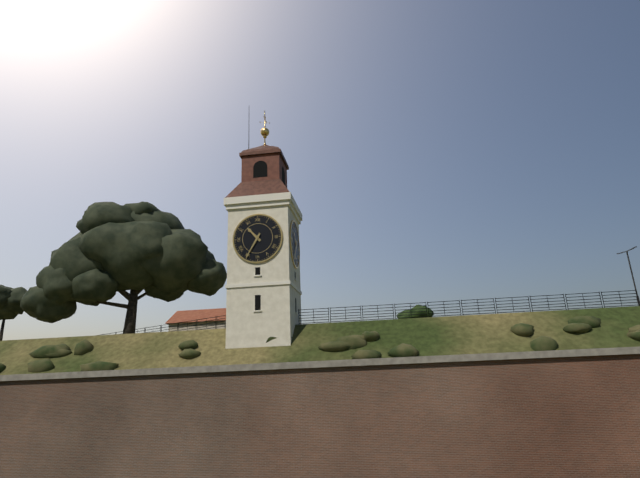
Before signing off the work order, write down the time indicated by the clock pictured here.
10:35
